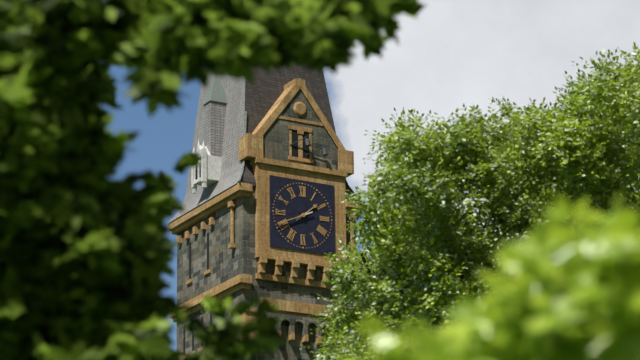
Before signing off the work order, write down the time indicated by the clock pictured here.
1:41
